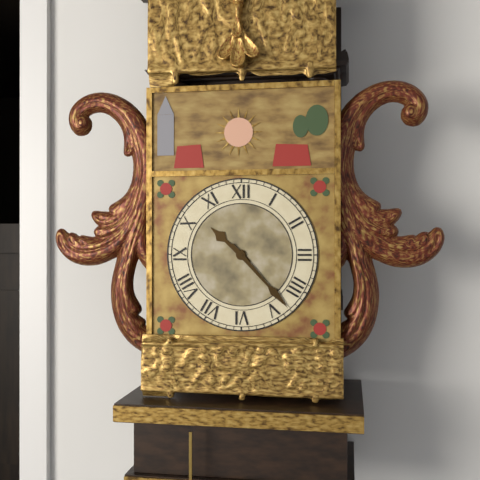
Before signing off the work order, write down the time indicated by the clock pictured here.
10:23
